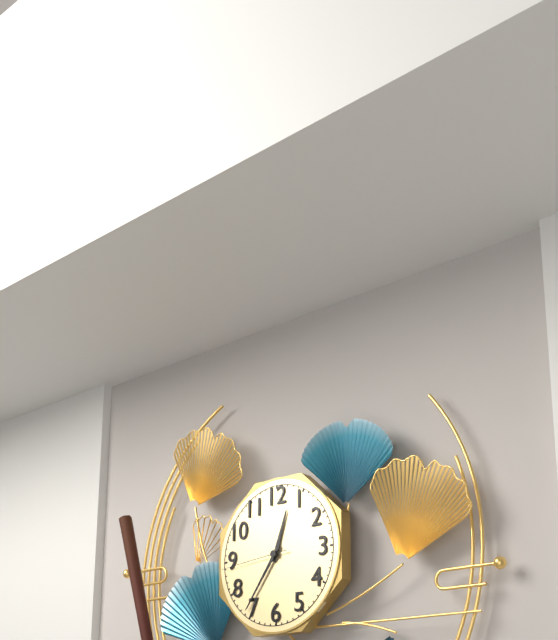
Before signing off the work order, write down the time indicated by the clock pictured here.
12:36:44
